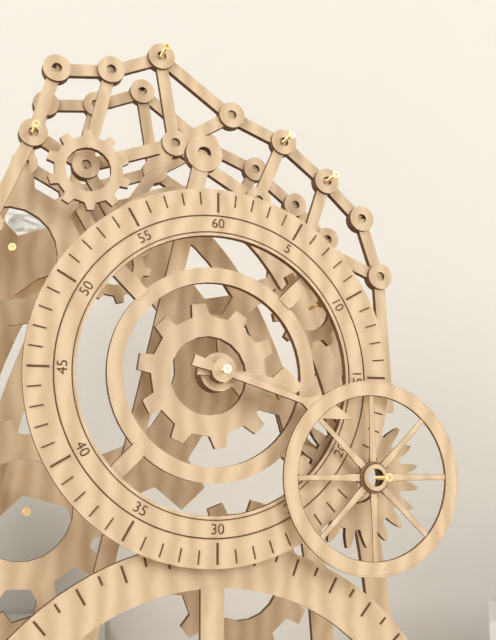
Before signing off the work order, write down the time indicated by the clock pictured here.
3:18
